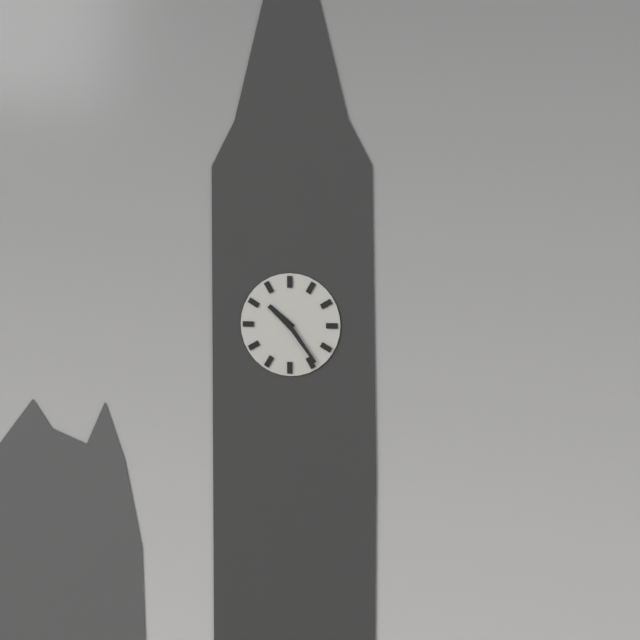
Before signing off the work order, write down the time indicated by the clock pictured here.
10:24
